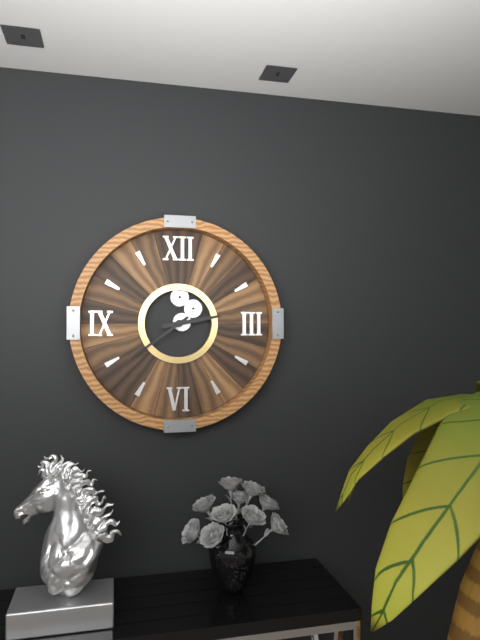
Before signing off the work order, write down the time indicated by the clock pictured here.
2:39
